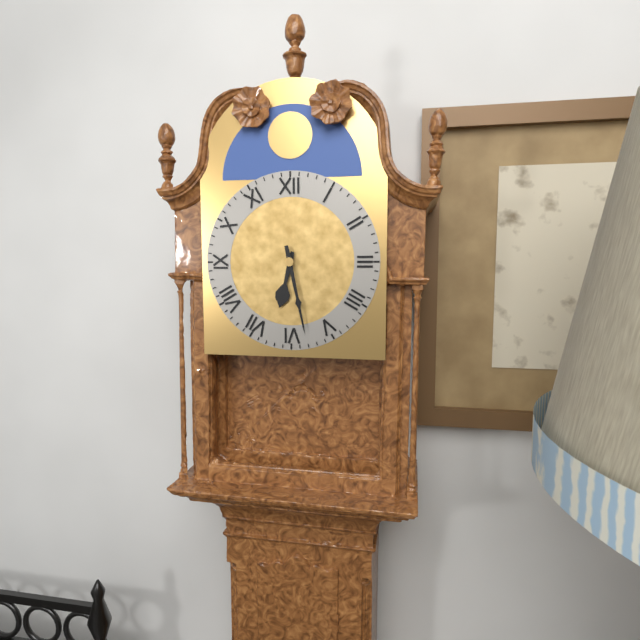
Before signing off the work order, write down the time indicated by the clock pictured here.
6:28
